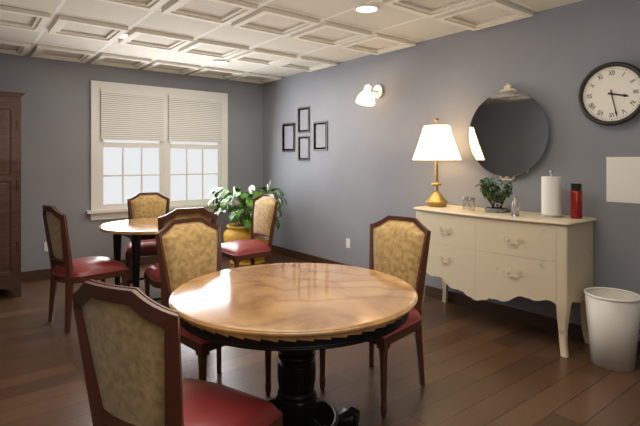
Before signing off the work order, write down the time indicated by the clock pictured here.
3:28
